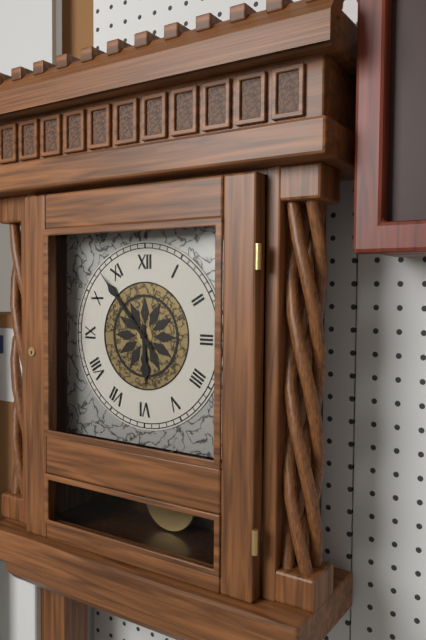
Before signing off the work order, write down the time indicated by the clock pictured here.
5:53
